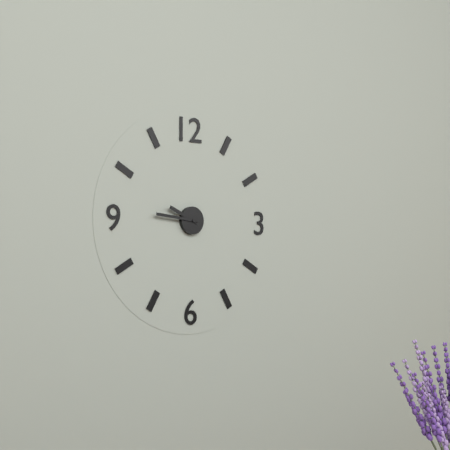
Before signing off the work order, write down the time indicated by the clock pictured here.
9:46
